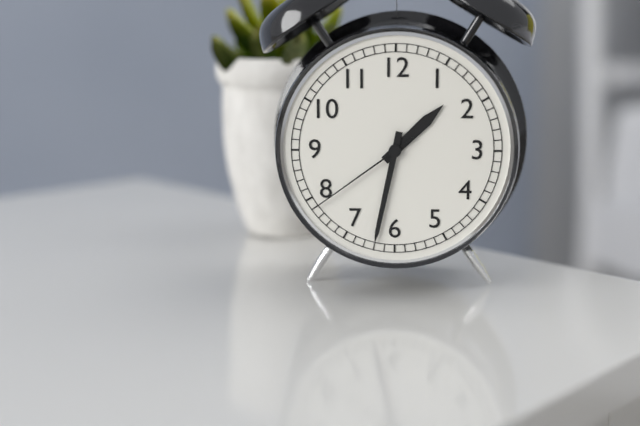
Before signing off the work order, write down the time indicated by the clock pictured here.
1:32:39
